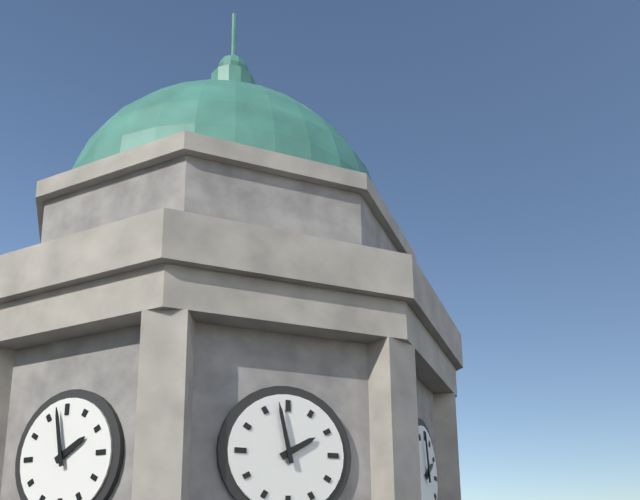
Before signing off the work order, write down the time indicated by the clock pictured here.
1:58
